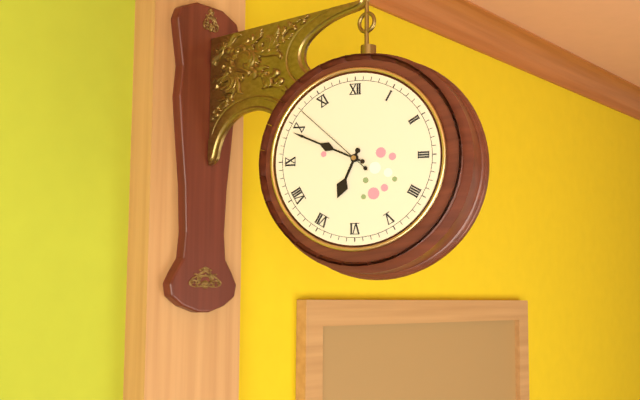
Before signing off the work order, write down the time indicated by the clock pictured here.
6:49:52
